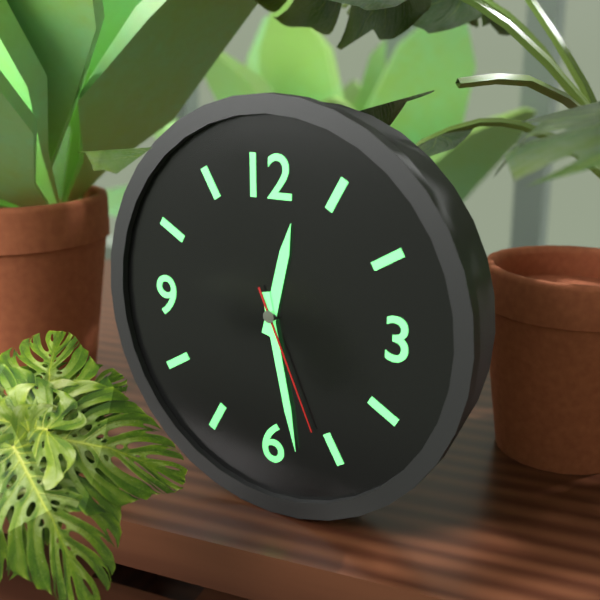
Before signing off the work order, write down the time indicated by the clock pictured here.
12:28:26
